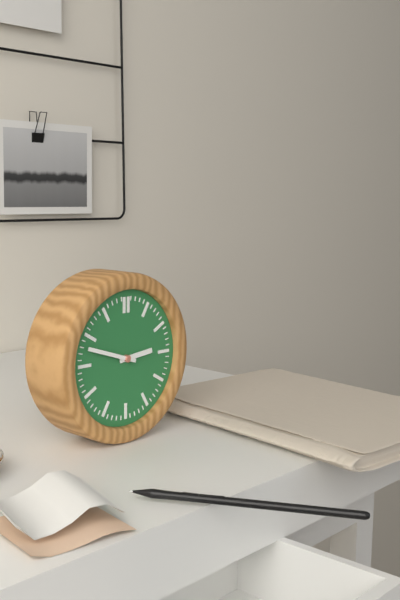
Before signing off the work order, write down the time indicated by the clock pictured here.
2:48
